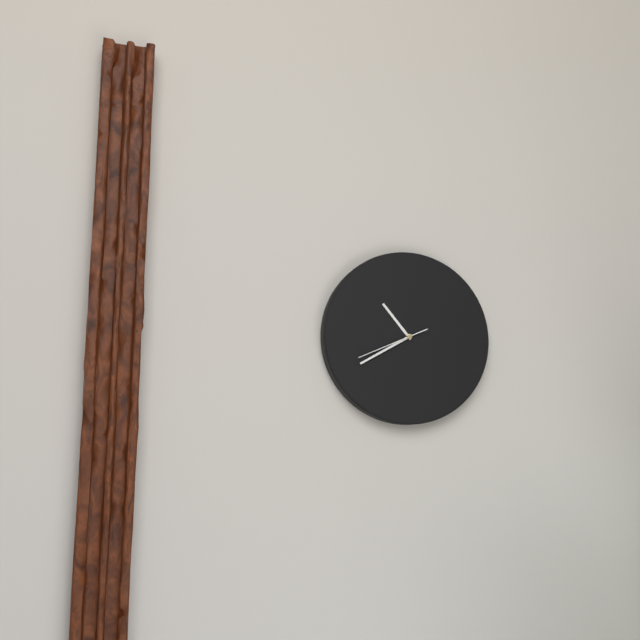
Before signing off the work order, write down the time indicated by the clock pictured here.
10:40:41
